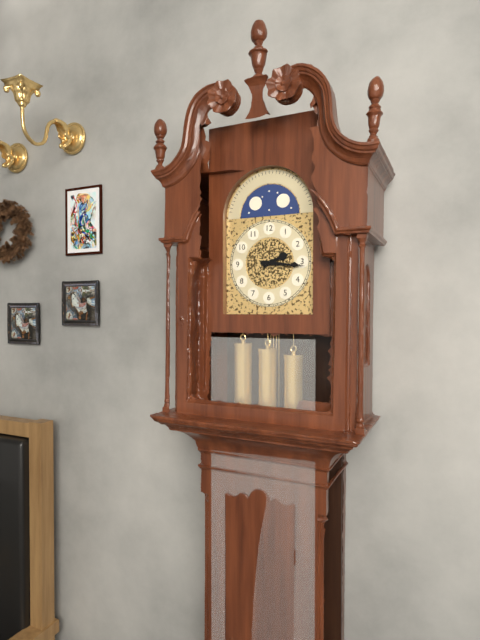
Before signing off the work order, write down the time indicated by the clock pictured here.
2:16
